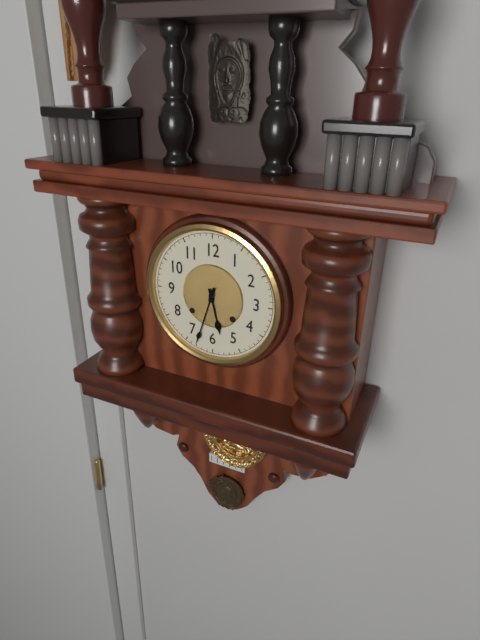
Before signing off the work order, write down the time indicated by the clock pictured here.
5:33
